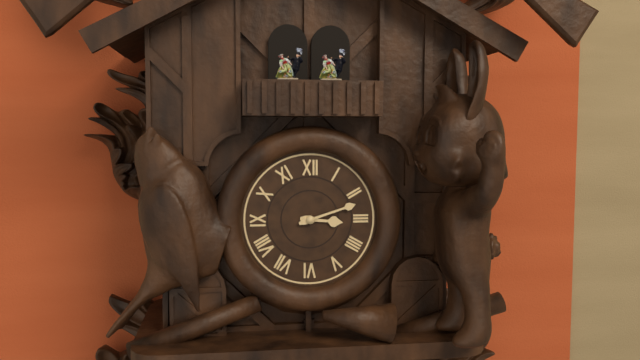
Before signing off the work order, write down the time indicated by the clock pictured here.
3:12
